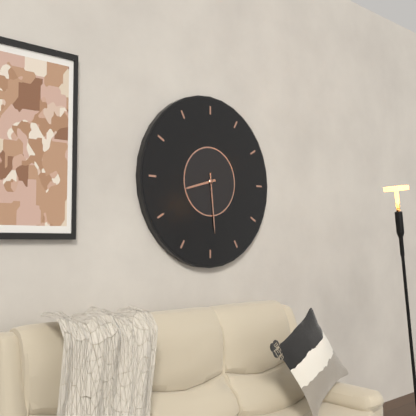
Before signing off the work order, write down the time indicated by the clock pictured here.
8:29
